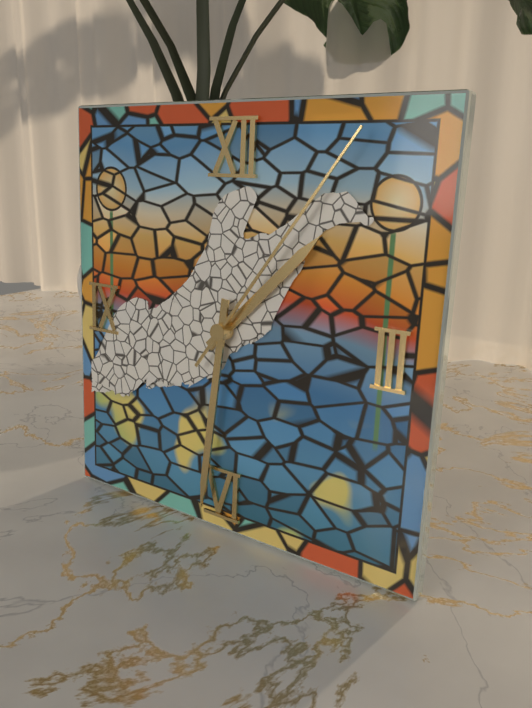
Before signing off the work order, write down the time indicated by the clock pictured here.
1:31:06
